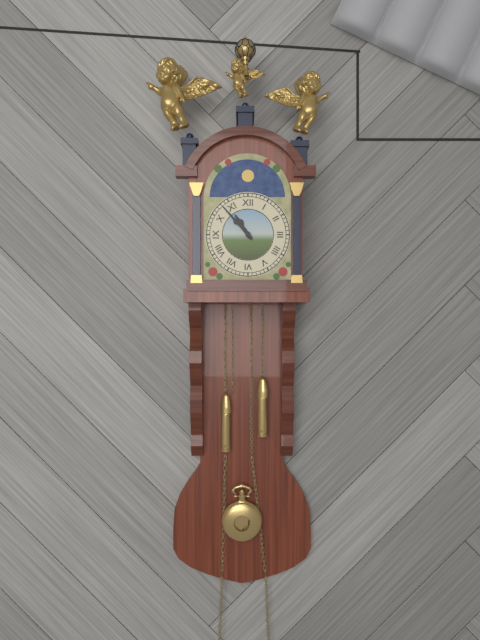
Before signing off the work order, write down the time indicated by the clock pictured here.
10:53
